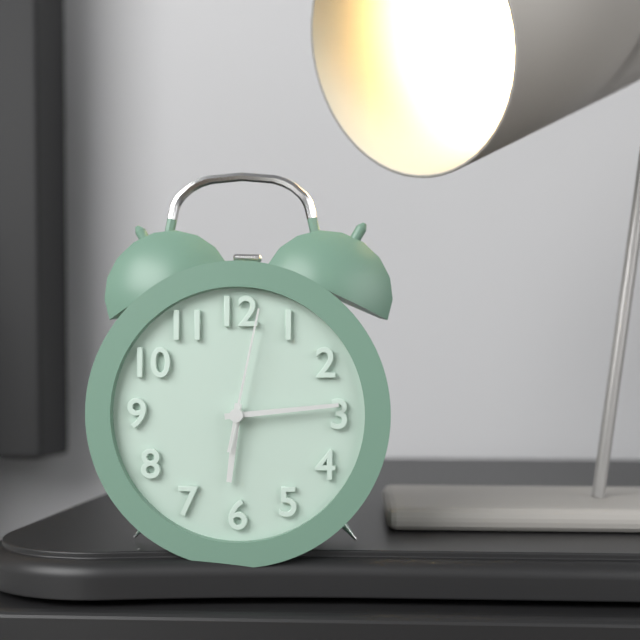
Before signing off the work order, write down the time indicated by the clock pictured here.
6:14:02
